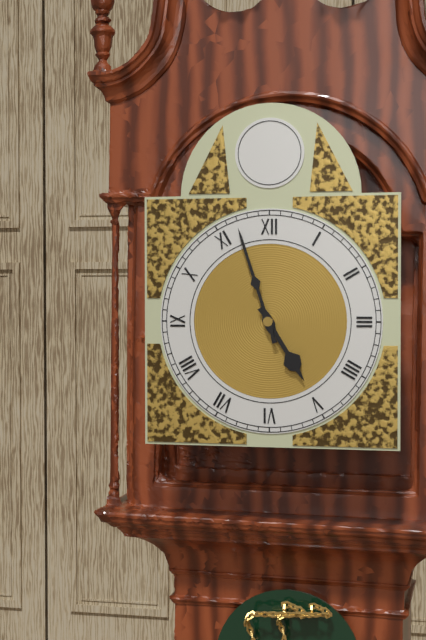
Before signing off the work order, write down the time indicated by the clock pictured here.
4:57
